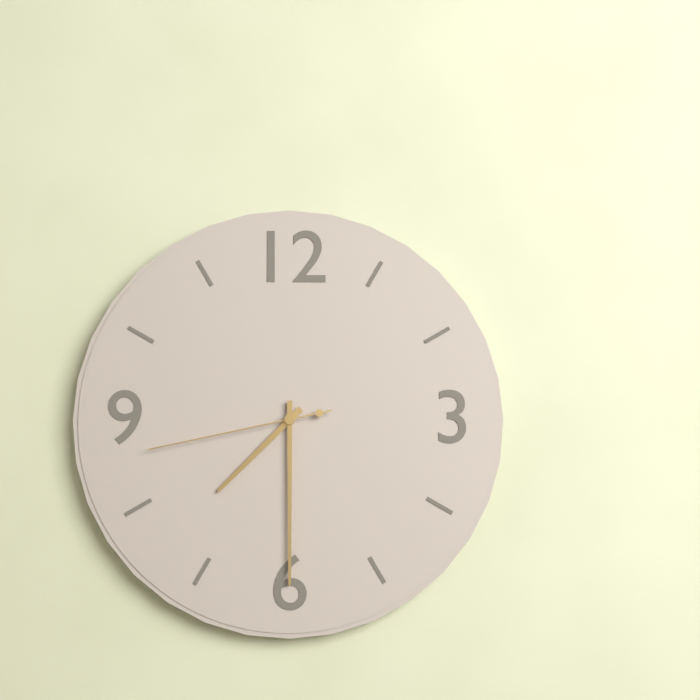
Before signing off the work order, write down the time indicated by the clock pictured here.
7:30:43
